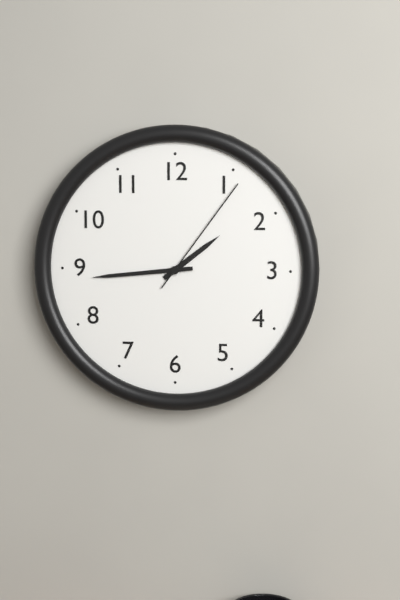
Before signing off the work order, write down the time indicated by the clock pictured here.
1:44:06
